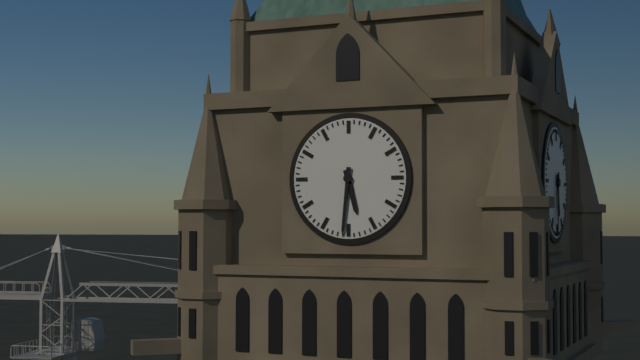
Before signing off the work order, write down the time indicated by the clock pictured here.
5:31
